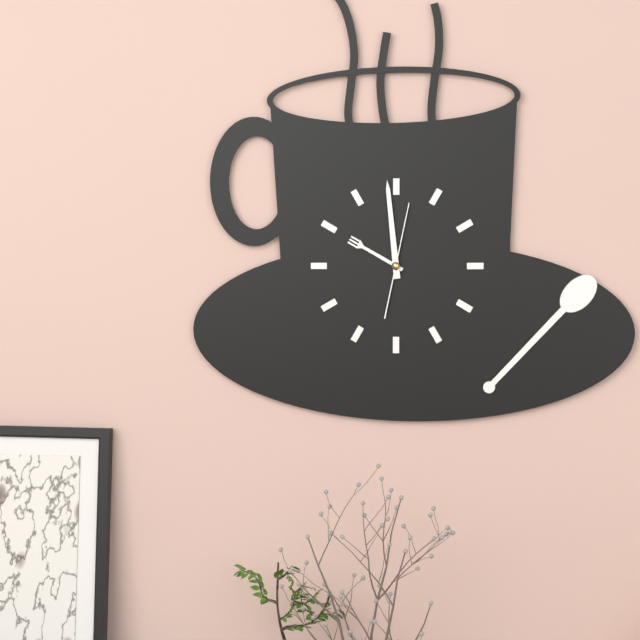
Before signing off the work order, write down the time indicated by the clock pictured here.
9:59:02
